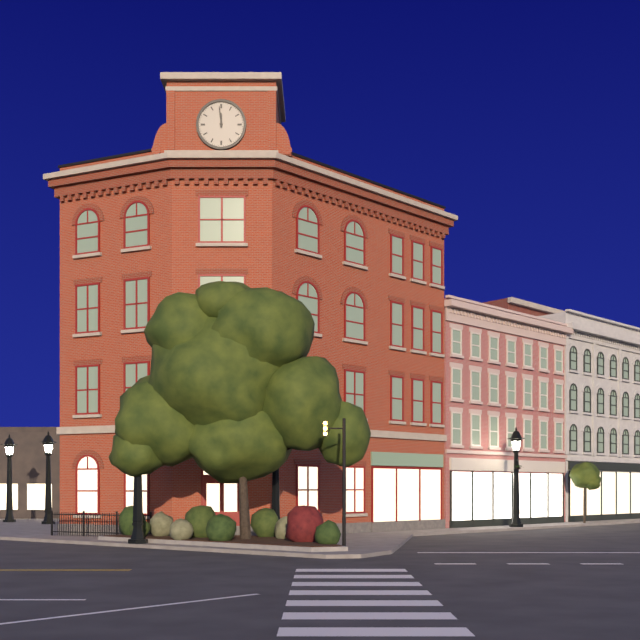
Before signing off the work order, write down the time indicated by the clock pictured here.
11:59
